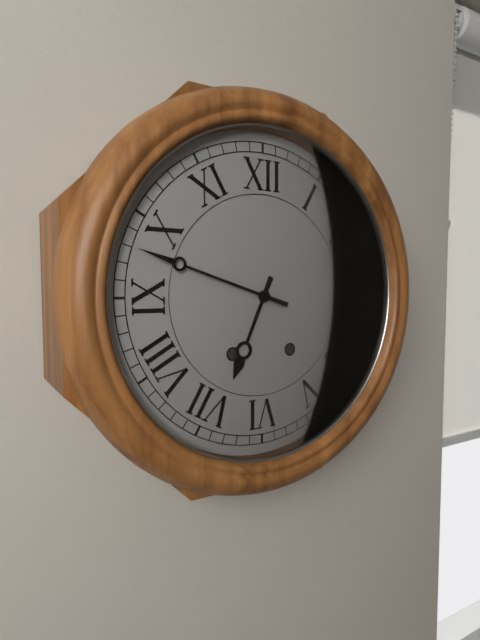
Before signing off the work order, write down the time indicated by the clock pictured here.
6:48
